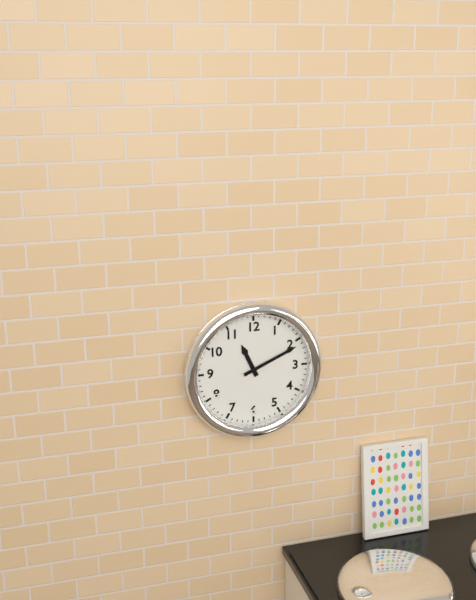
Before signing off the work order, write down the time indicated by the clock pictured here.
11:11
